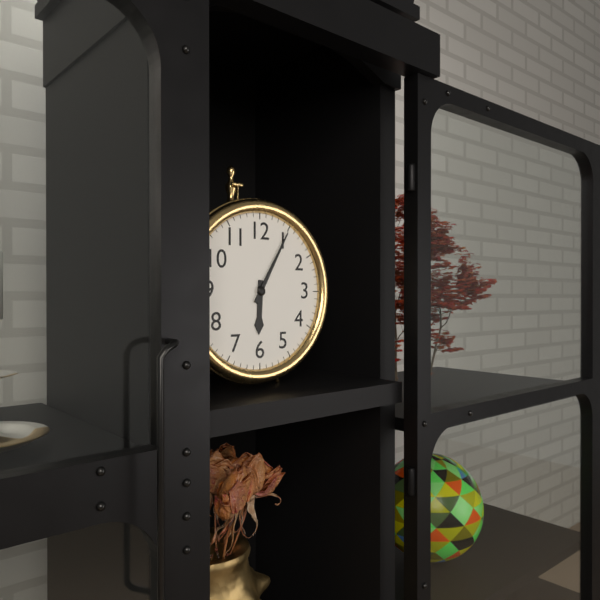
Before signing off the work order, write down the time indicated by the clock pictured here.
6:05
